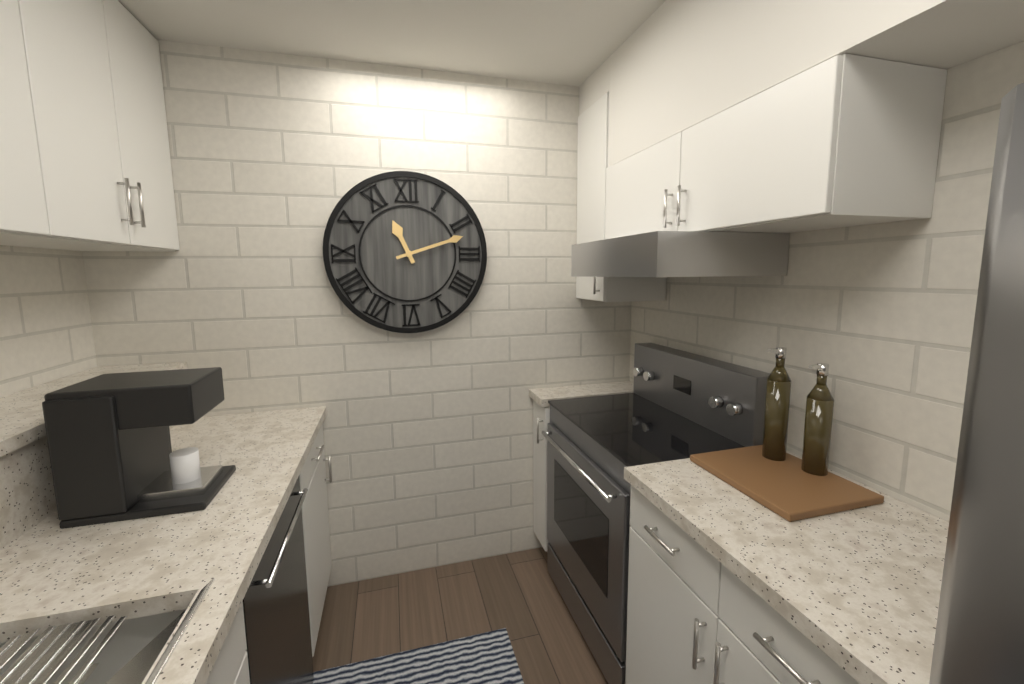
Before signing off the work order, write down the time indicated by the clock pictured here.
11:12
